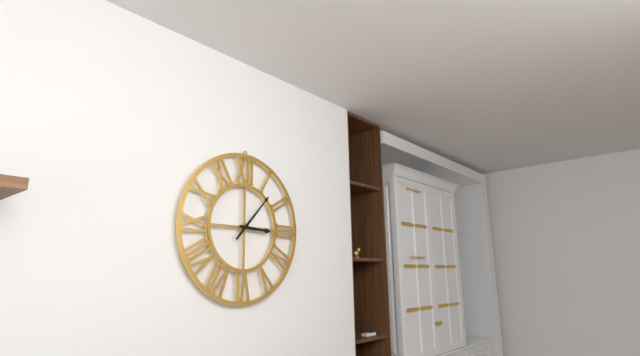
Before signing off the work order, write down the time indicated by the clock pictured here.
3:07
